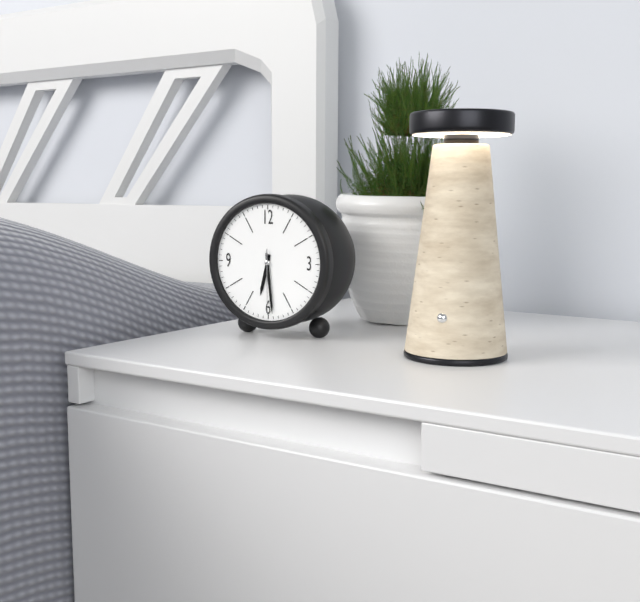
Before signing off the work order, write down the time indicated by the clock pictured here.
6:29:30
